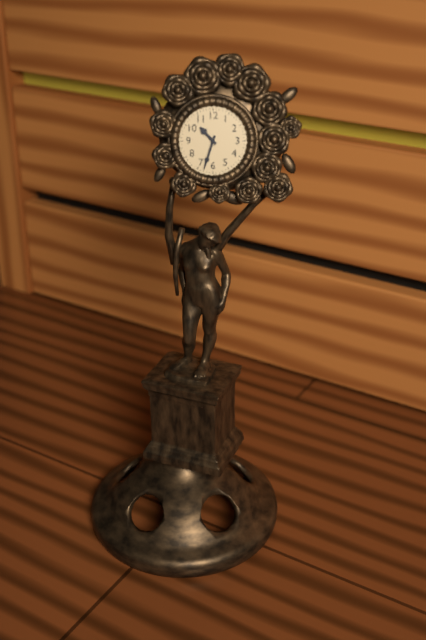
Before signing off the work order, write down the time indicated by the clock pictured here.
10:33
